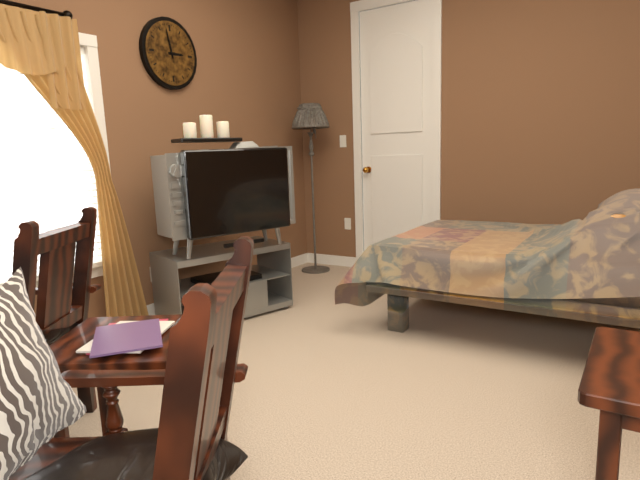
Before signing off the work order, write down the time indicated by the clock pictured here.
2:58
